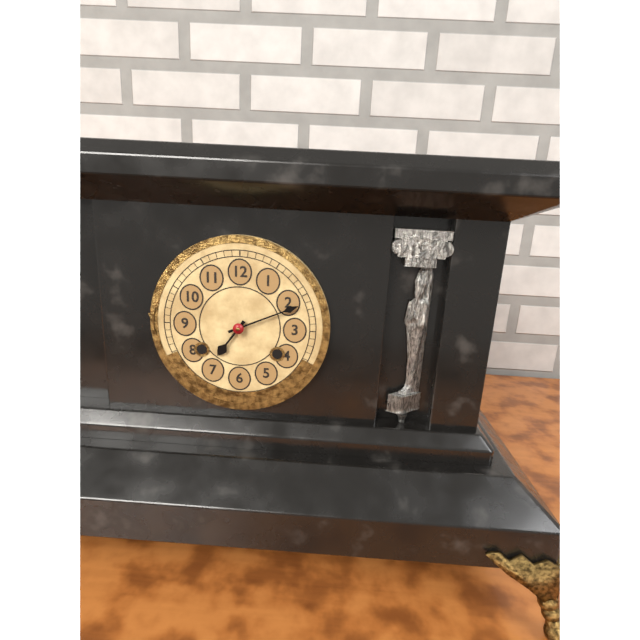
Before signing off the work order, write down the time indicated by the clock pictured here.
7:11
